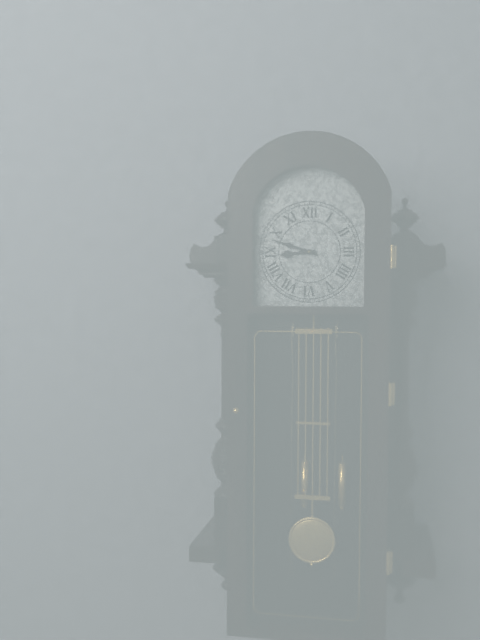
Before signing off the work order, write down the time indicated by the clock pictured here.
8:48
